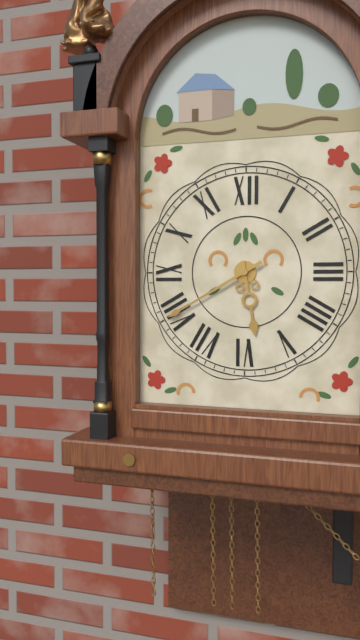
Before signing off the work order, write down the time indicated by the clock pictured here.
5:40
